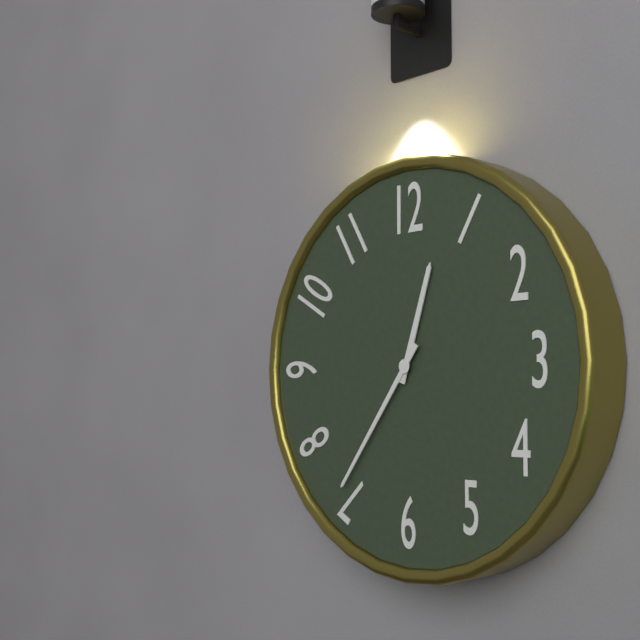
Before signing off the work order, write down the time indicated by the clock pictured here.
12:36
